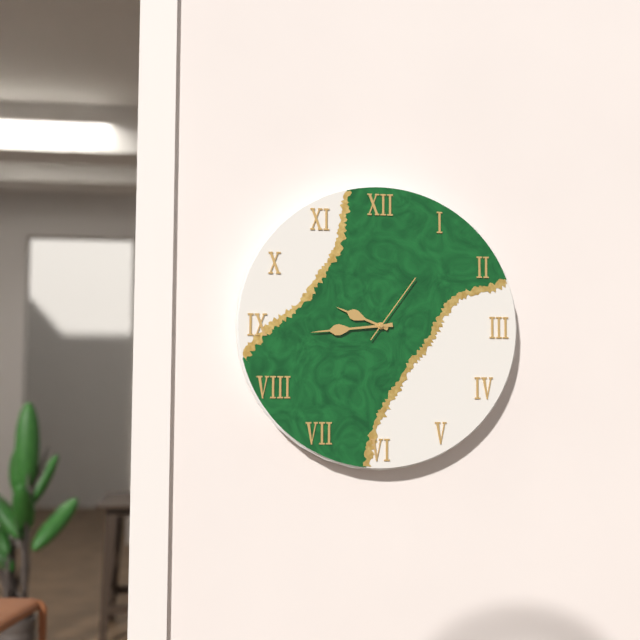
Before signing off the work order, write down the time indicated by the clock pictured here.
9:44:06
